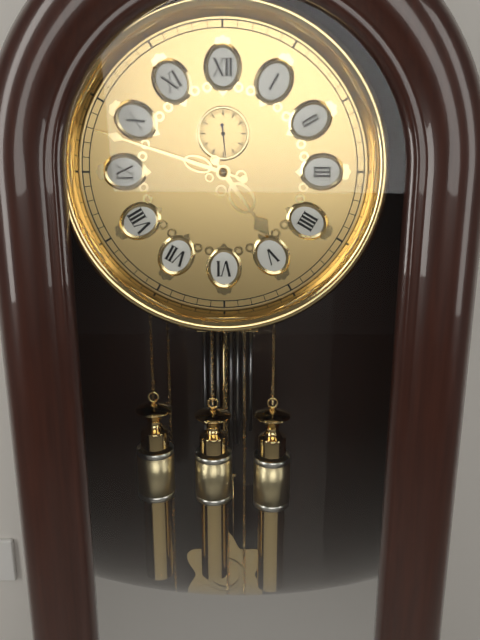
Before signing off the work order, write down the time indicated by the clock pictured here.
4:48
